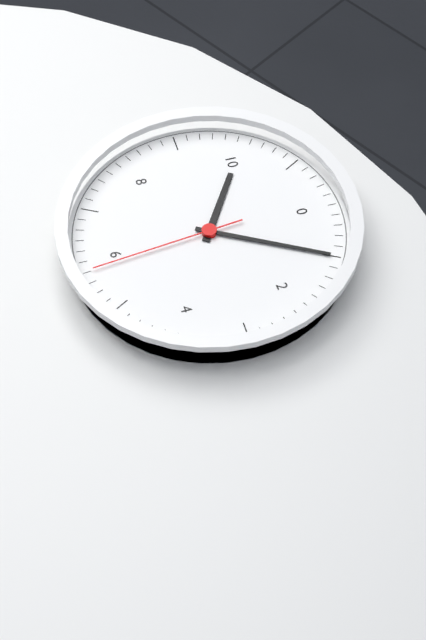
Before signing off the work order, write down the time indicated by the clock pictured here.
10:05:29
